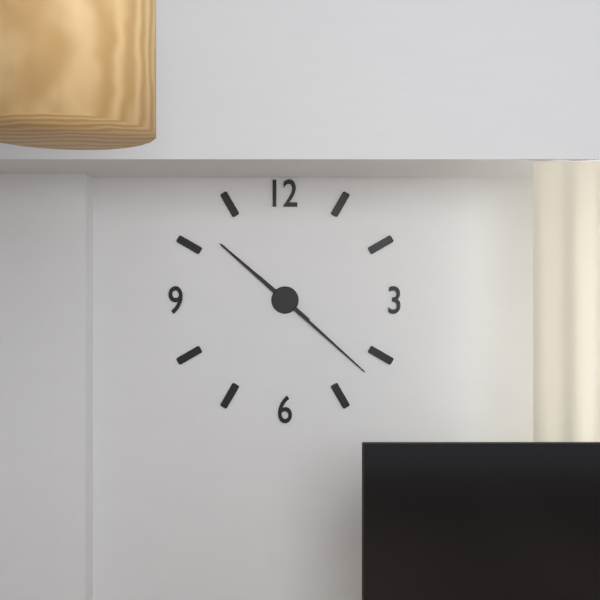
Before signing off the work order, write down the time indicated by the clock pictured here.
10:22
